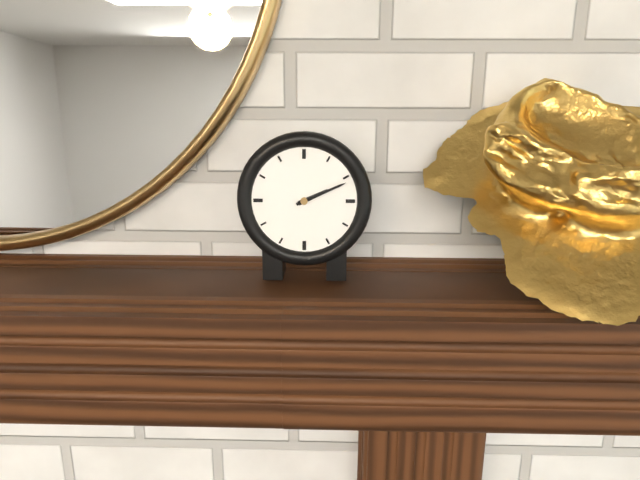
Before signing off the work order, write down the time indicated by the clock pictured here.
2:11
